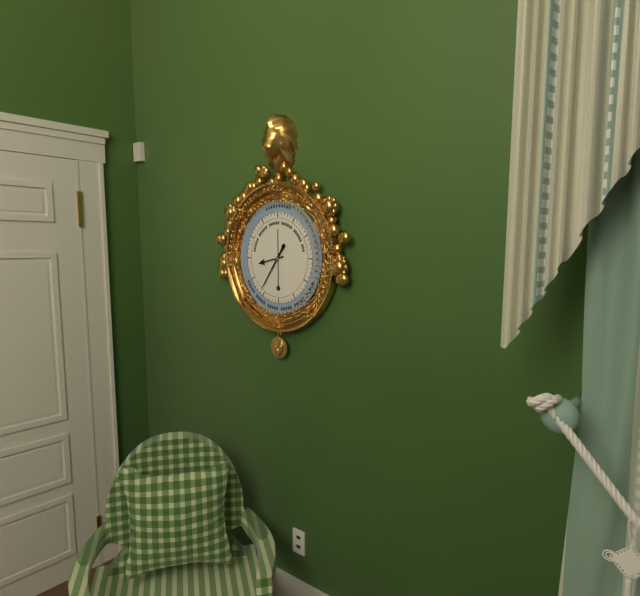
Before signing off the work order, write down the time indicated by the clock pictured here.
8:36
